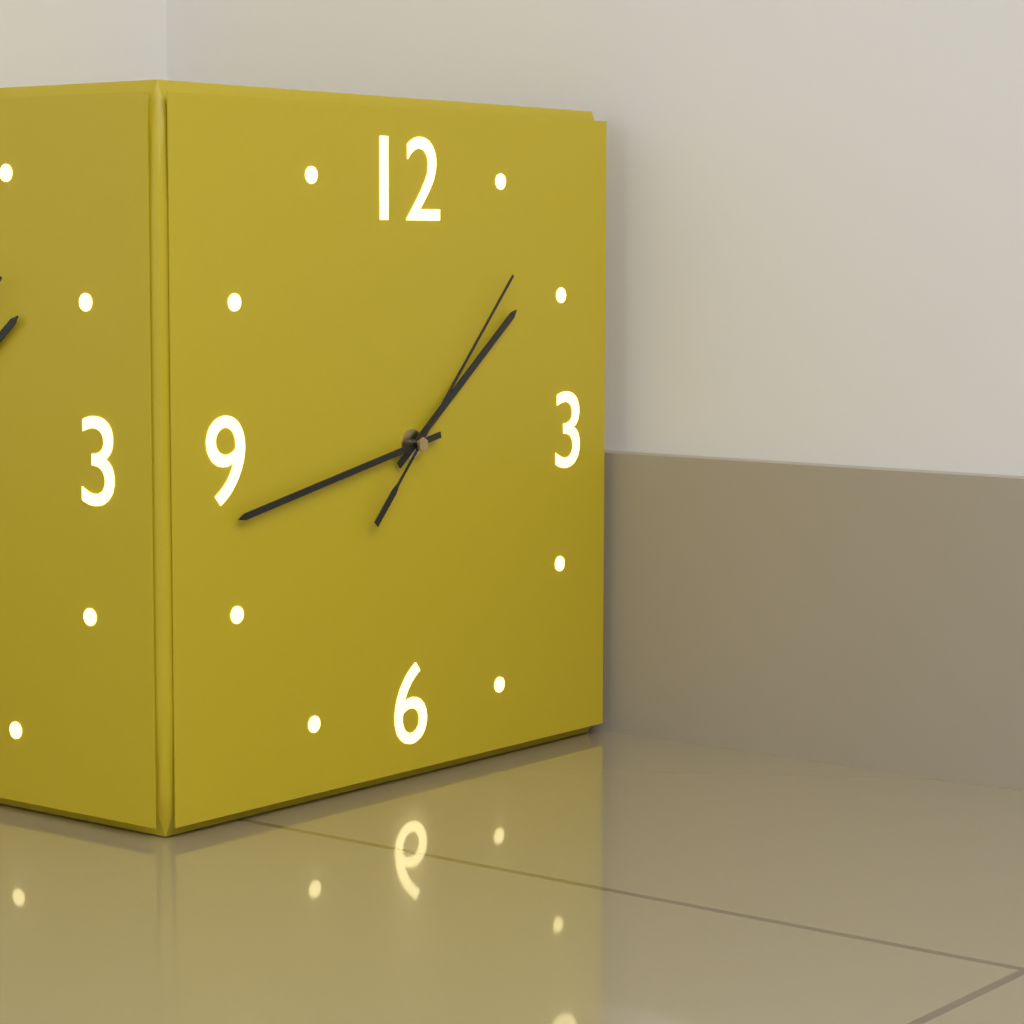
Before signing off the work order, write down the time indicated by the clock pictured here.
1:43:07
